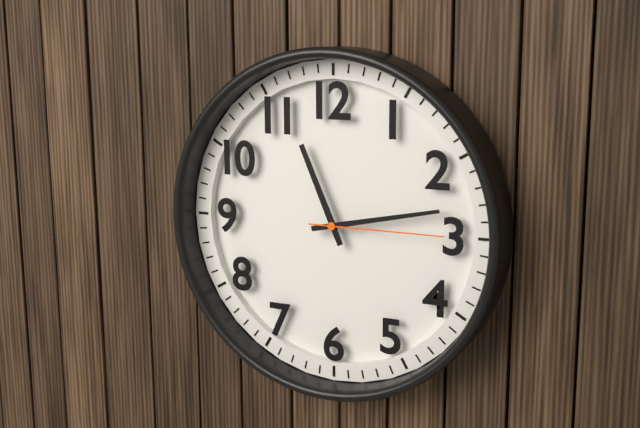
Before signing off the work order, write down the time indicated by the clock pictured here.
11:13:15
